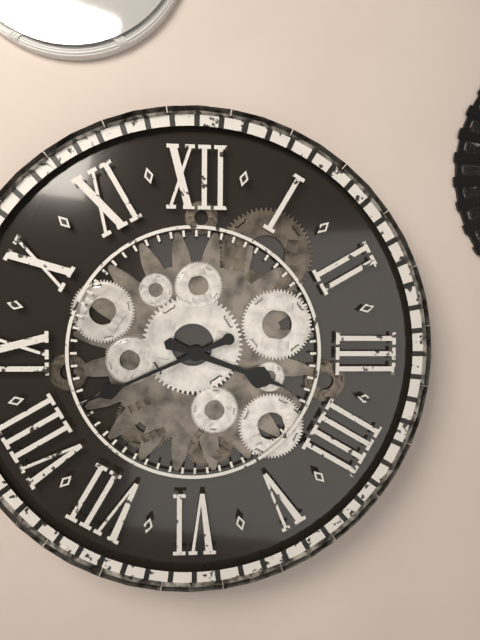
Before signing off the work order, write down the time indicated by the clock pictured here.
3:41
